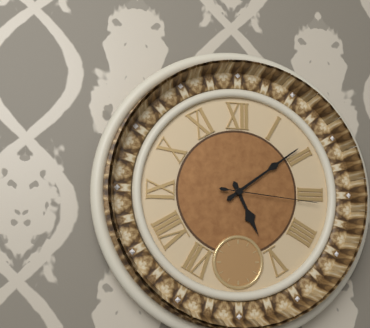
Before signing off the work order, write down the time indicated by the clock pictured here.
5:09:16
